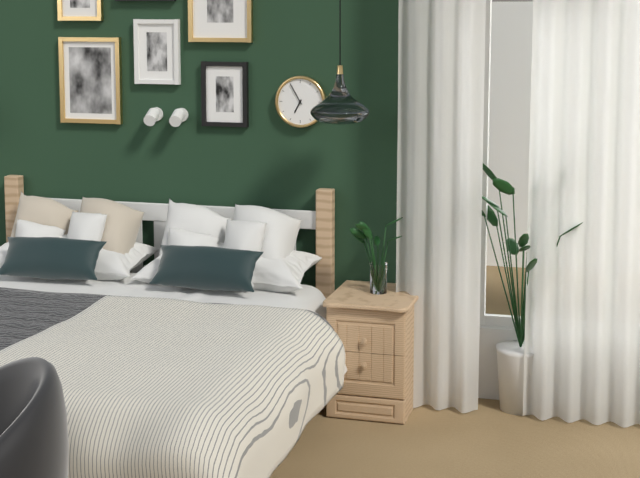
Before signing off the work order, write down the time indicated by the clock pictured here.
6:55
